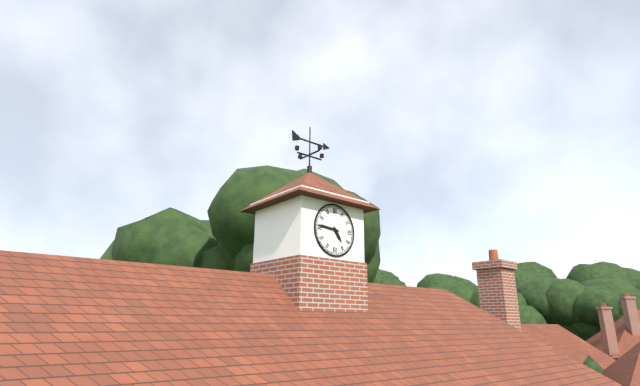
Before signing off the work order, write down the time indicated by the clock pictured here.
4:46
